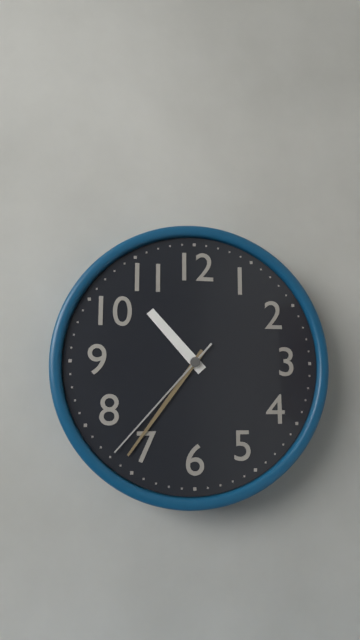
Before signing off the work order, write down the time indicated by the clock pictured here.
10:36:37
